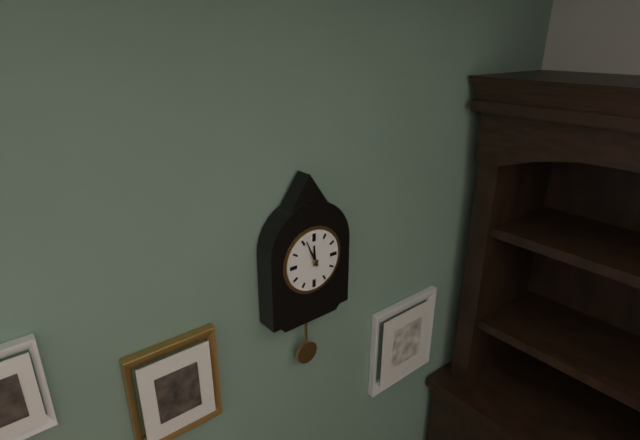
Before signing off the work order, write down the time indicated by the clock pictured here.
11:56
